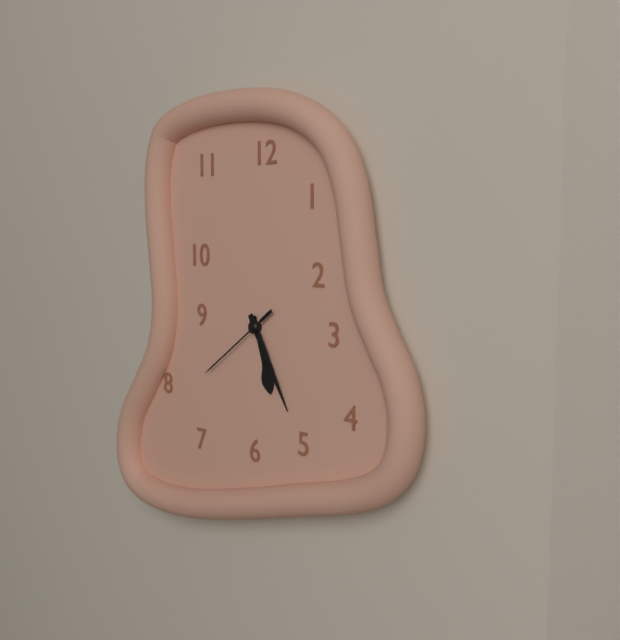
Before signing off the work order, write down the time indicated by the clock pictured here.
5:25:39
